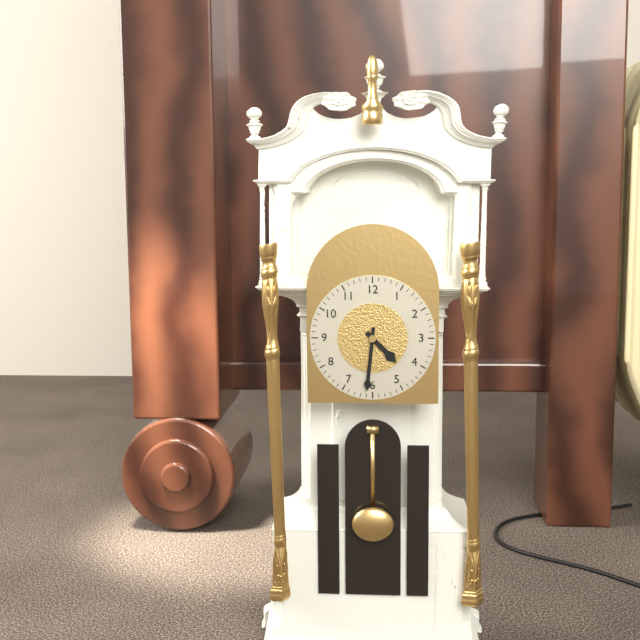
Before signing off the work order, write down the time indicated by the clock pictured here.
4:31
